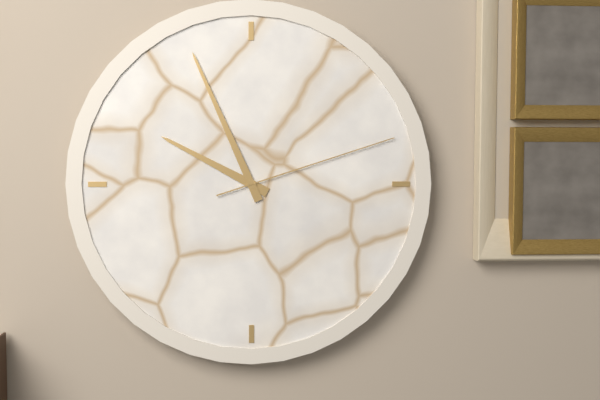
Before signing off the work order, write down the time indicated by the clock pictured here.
9:56:12
